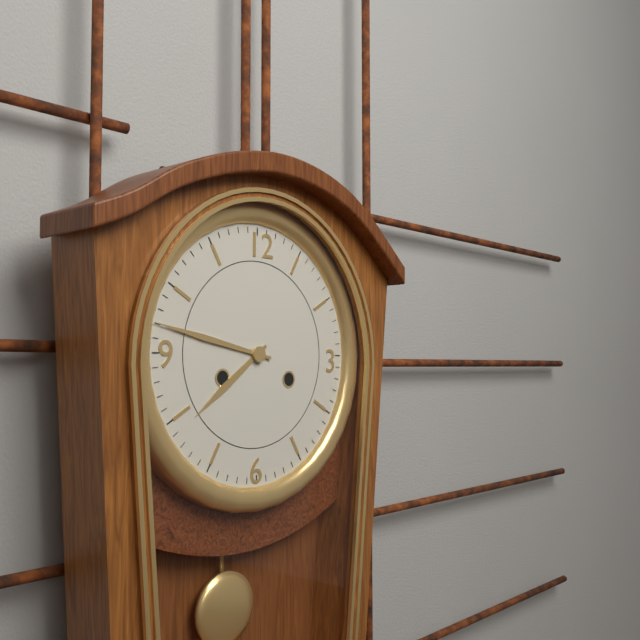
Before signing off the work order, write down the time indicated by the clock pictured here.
7:47
